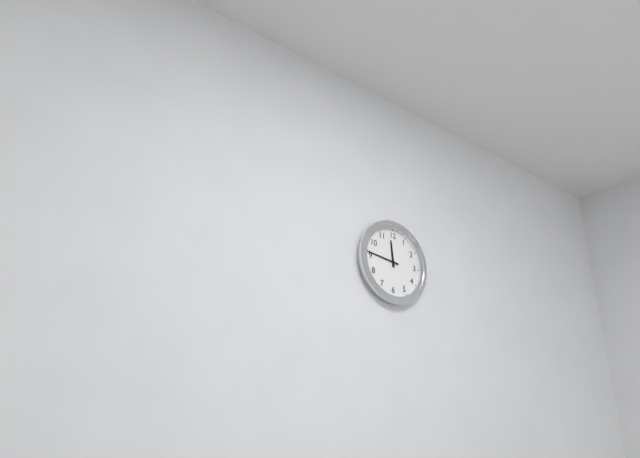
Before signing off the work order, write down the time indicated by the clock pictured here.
11:46
